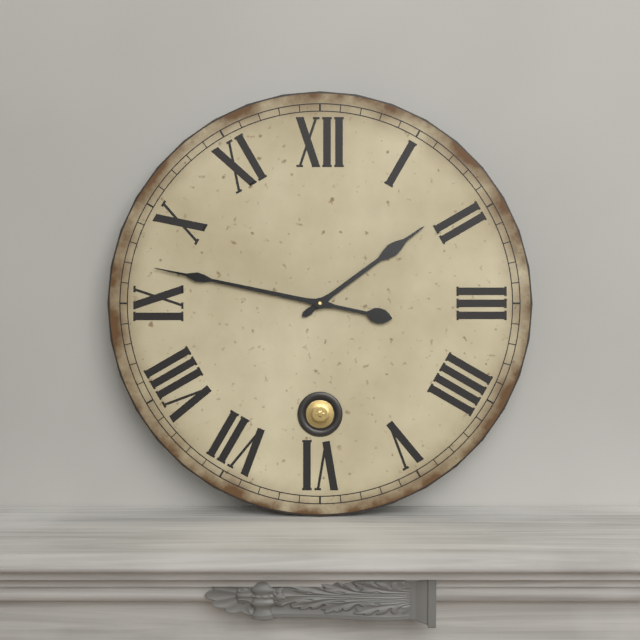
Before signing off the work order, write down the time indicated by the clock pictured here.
1:47
